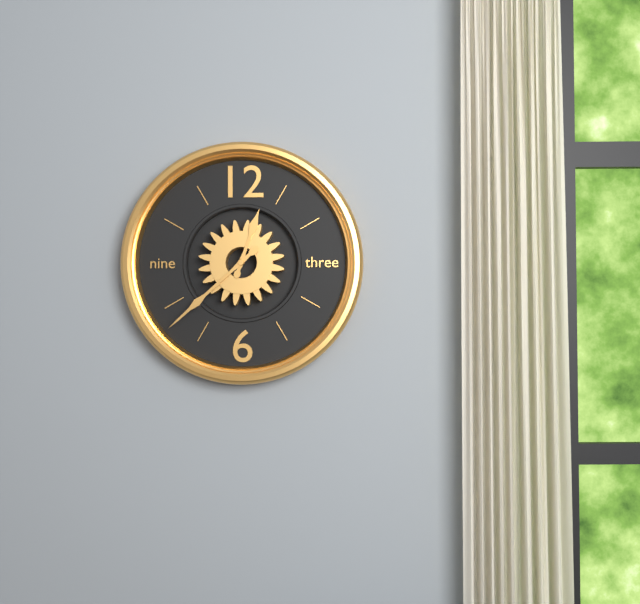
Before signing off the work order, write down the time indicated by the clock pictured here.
12:38
